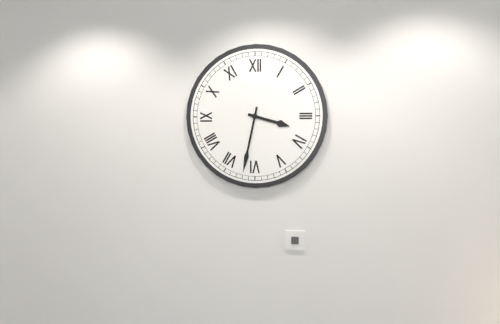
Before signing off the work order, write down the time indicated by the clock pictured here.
3:32
